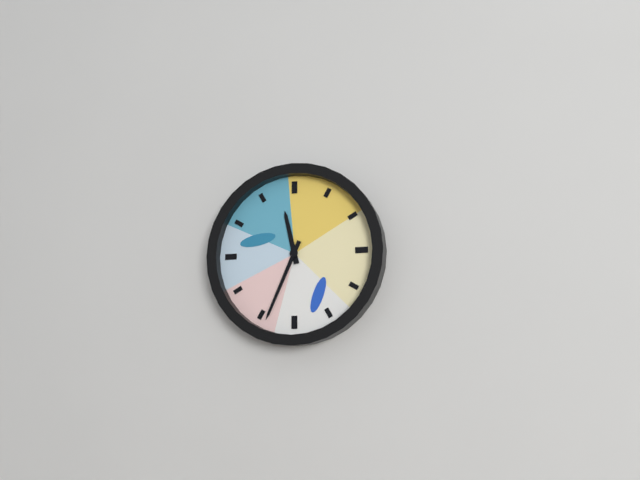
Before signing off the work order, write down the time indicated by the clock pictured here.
11:34
